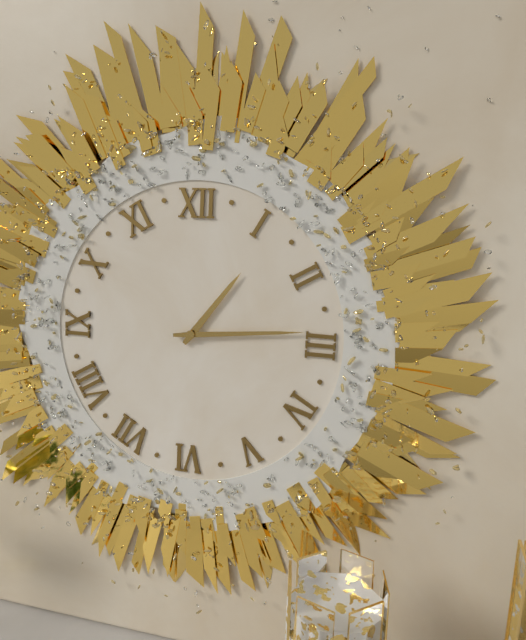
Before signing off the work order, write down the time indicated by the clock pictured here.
1:14
